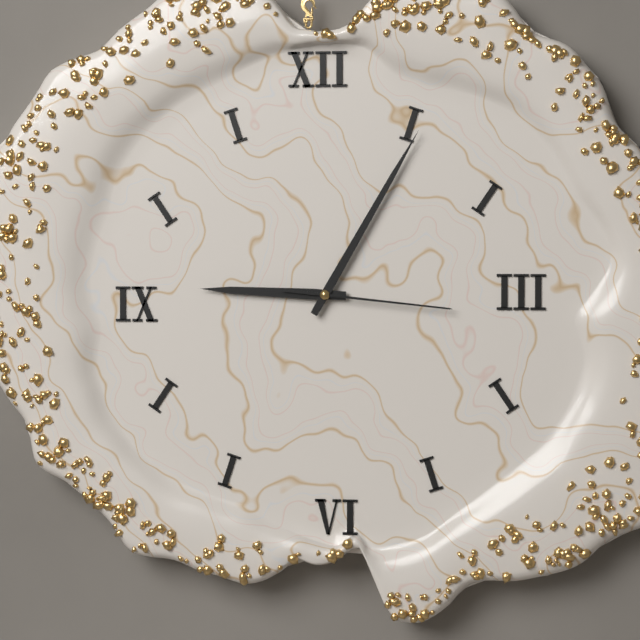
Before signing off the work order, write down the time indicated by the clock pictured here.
9:05:16
